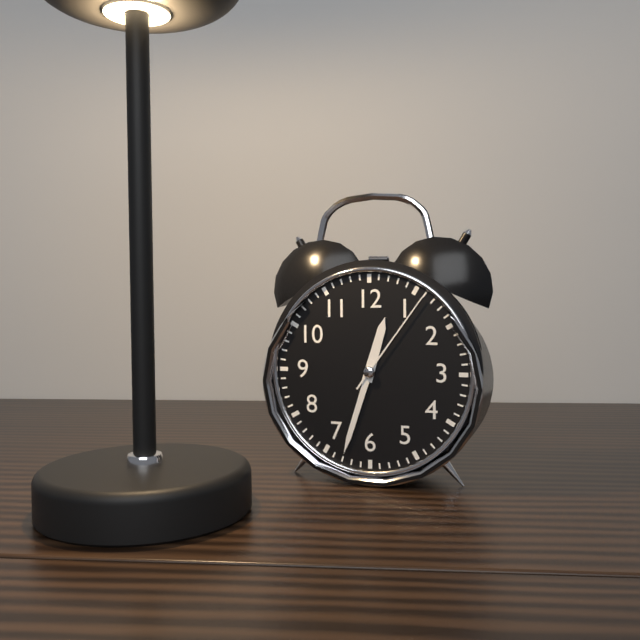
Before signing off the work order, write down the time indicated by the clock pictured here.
12:33:06
